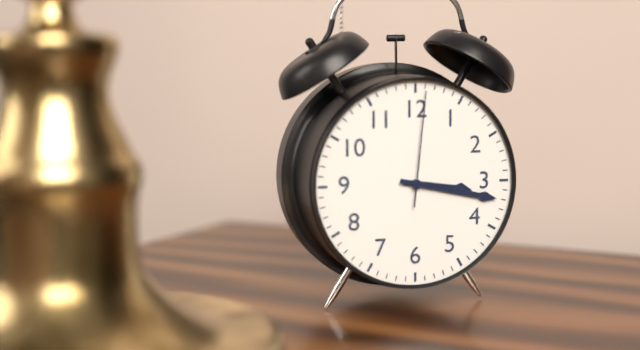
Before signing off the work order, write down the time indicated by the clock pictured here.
3:17:01
